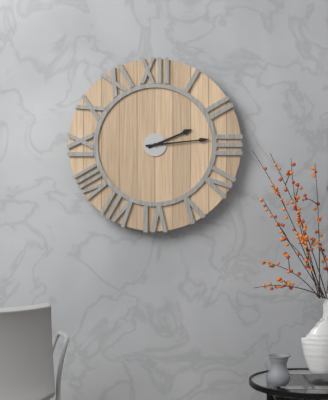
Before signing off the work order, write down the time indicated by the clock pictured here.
2:14
